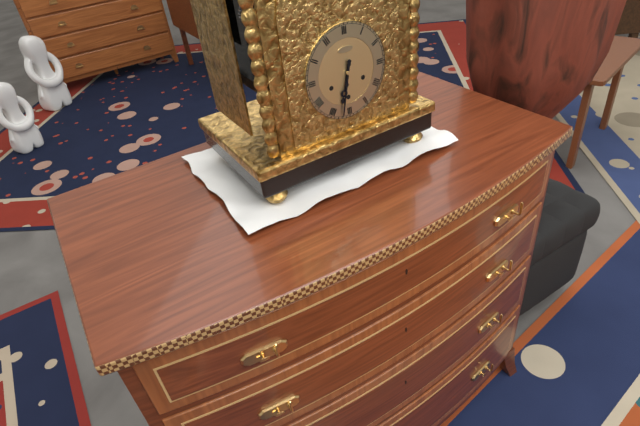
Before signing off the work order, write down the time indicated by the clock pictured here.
6:32
